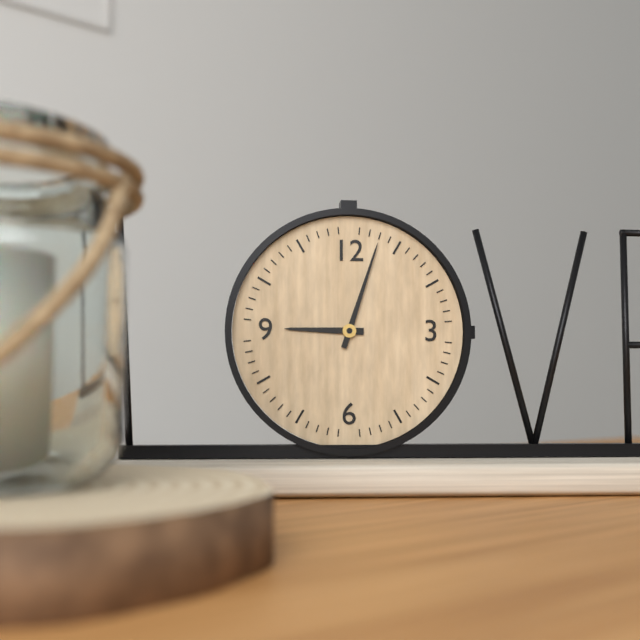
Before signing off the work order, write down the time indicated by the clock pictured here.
9:03
